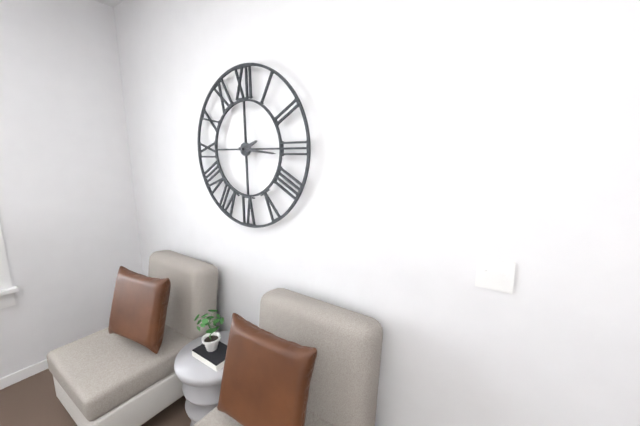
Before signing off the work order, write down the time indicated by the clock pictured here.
2:16
